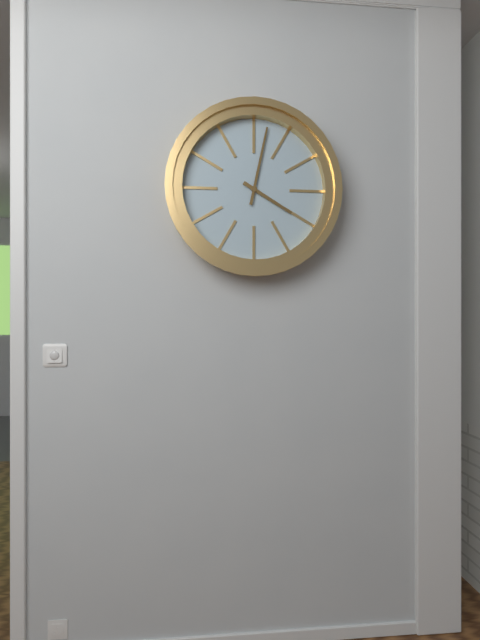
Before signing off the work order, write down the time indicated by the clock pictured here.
4:02
